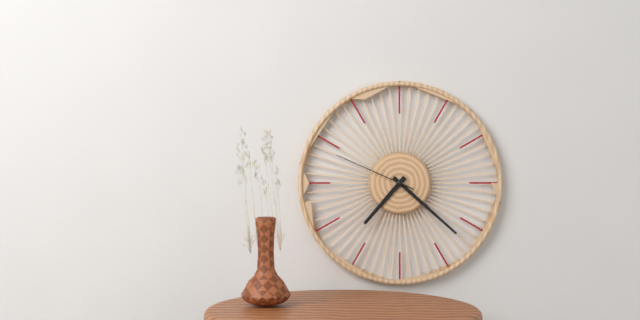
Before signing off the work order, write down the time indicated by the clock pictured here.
7:22:49
